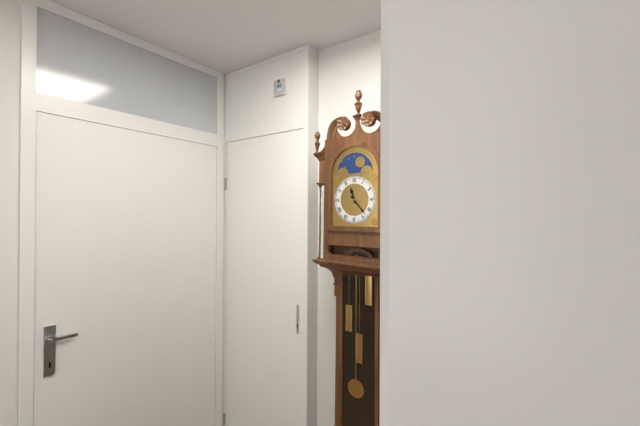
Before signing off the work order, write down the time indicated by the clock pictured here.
11:23
